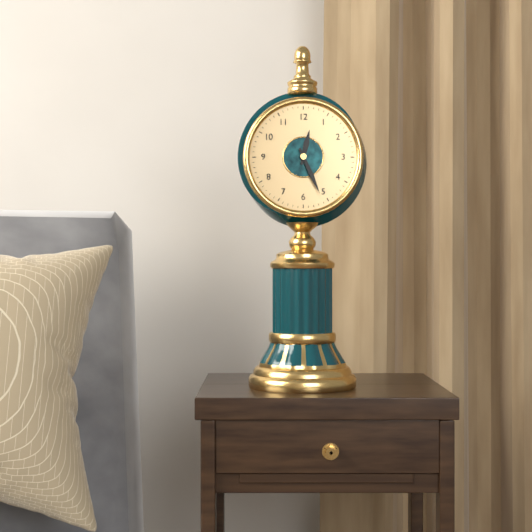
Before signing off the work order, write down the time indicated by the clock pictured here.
12:26
